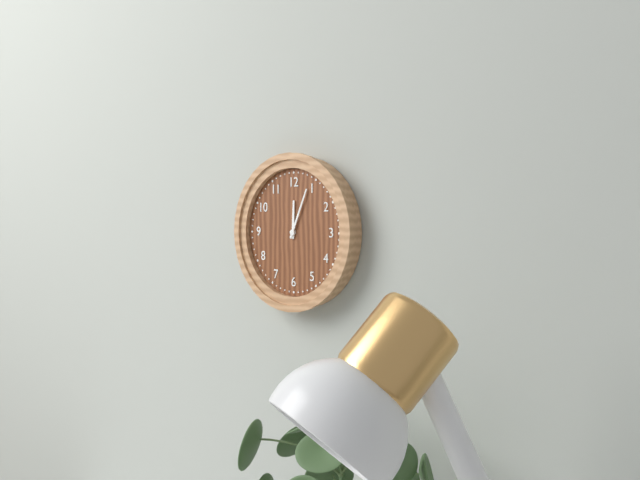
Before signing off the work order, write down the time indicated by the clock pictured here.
12:04
